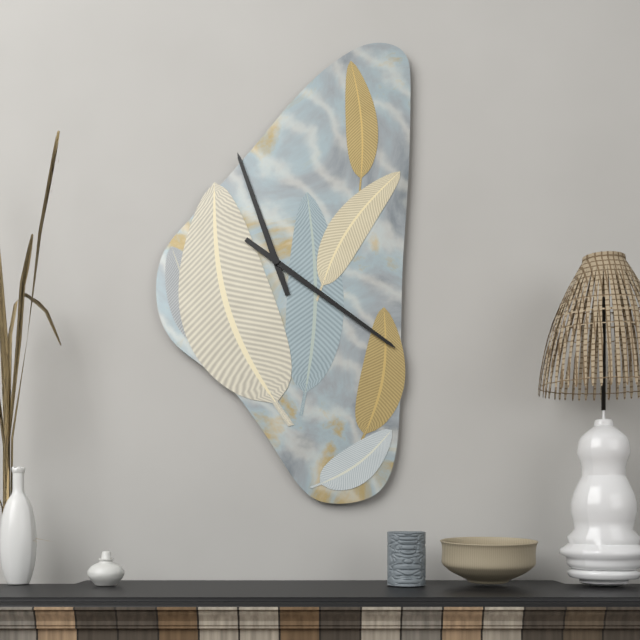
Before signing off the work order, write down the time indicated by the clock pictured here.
11:21
